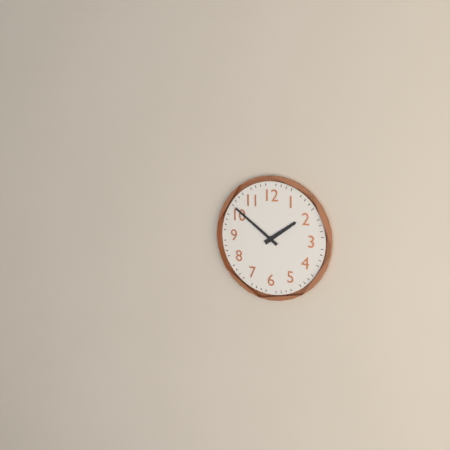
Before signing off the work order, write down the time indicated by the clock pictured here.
1:51
